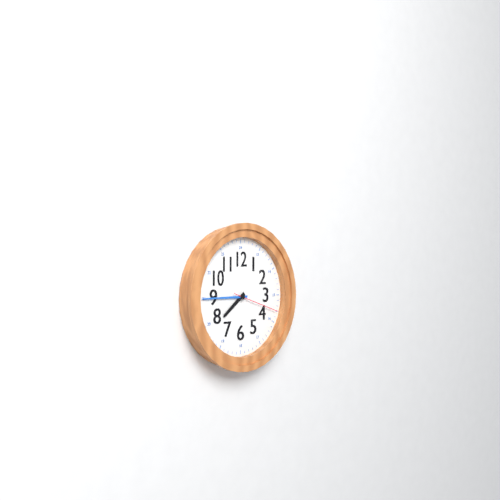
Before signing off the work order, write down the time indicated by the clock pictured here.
7:45
